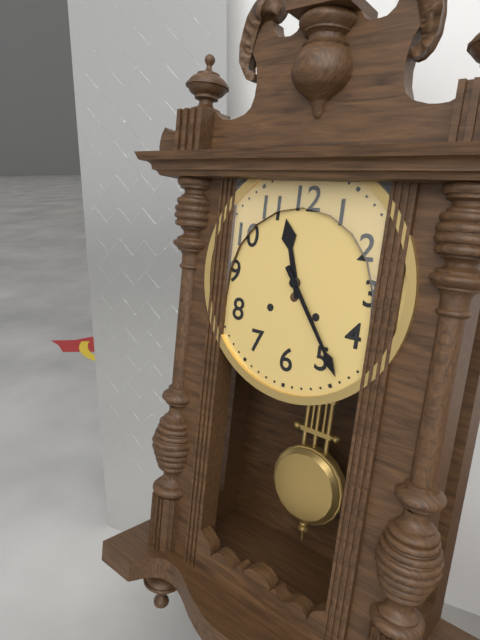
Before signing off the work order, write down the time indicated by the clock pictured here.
11:24
